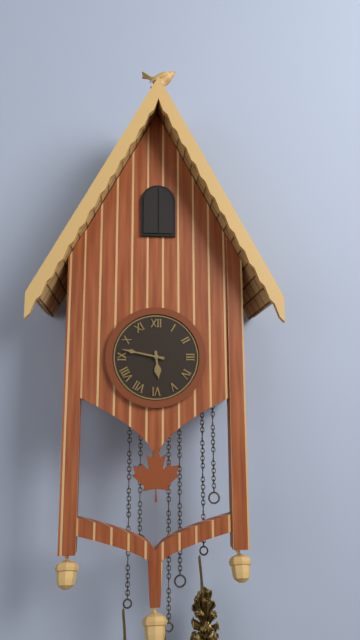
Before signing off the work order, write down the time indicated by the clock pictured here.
5:47
